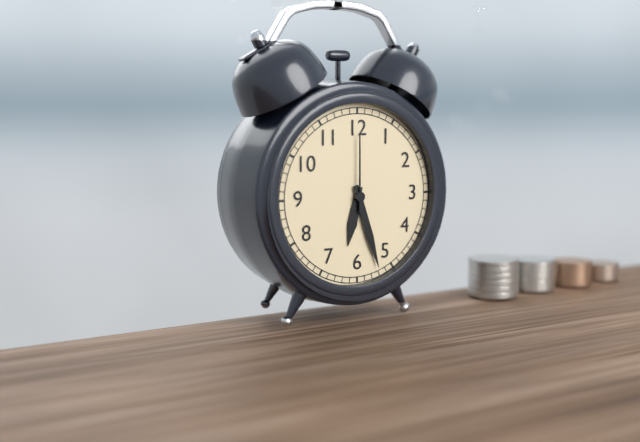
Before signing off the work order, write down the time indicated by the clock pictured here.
6:27:00
